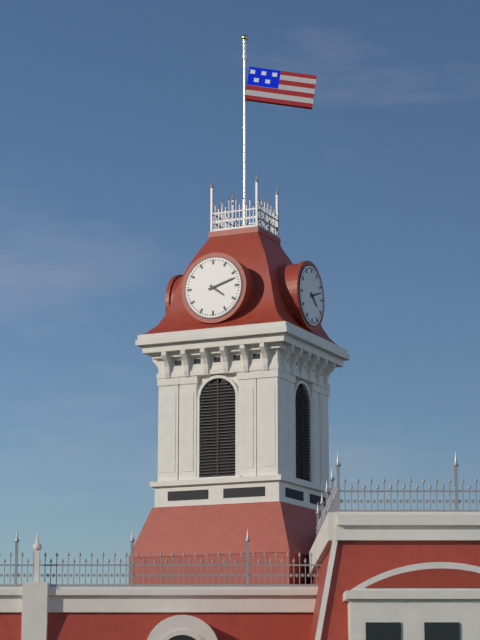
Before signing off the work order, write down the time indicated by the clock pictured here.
4:12
